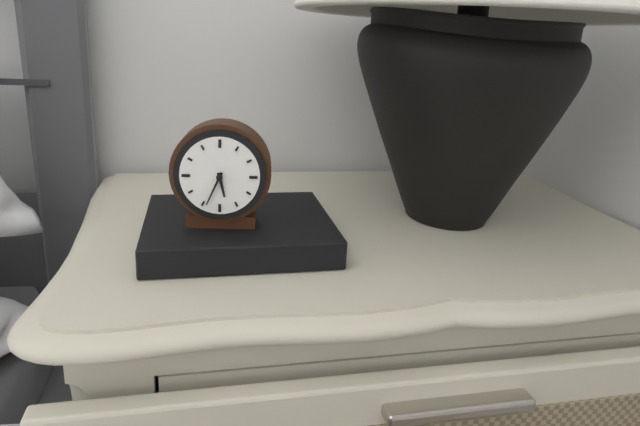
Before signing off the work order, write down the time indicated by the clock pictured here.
5:34
